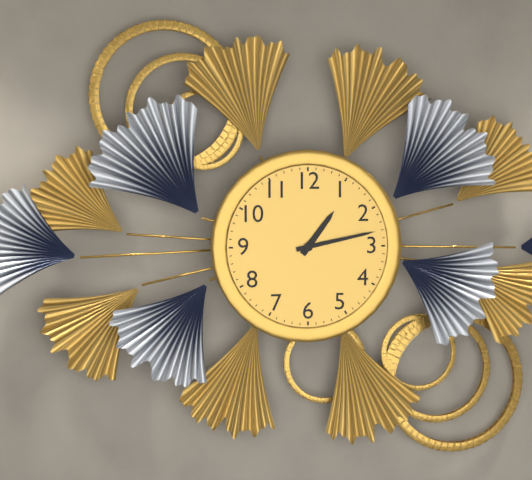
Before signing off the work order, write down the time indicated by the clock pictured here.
1:13
